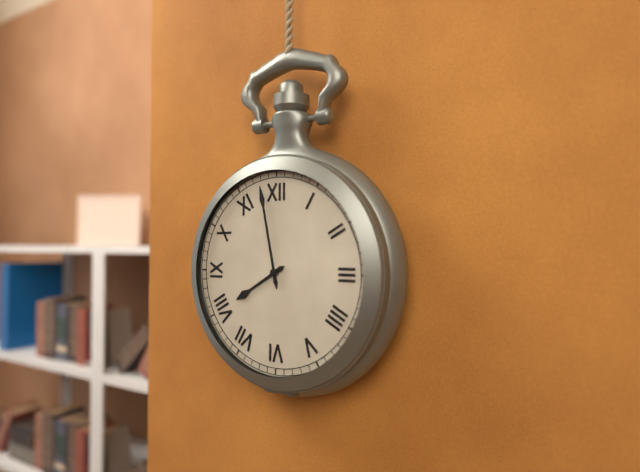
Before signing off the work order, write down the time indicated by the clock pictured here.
7:58
